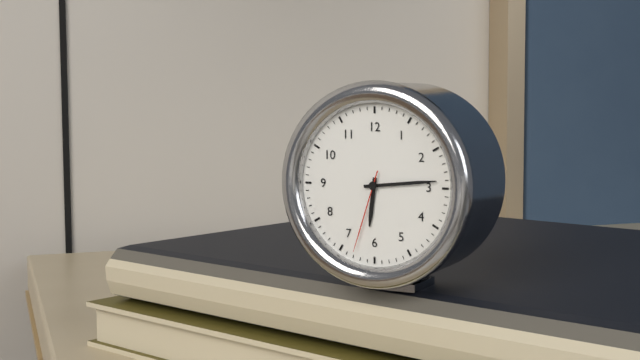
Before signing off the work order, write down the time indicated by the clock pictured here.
6:14:33
